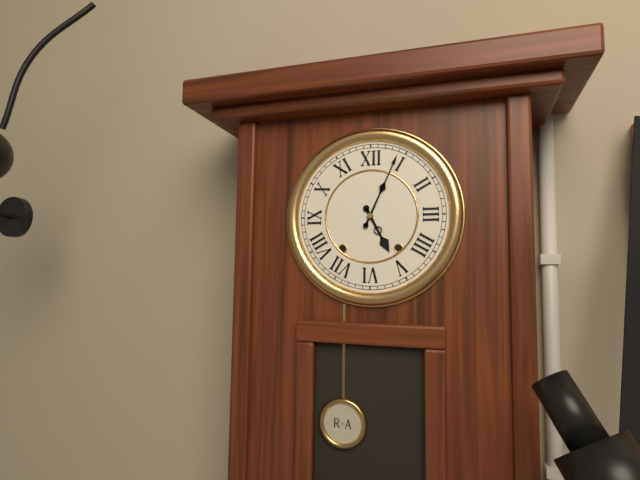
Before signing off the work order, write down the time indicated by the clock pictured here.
5:04
